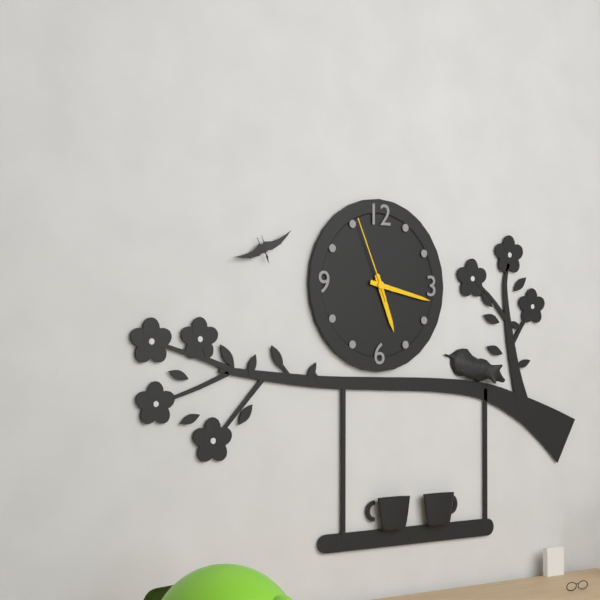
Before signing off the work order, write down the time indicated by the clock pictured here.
5:17:56
